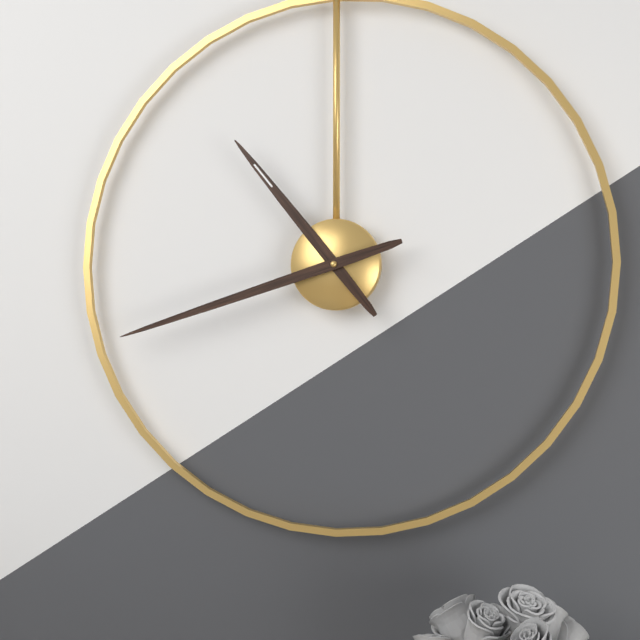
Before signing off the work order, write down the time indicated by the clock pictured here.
10:42
